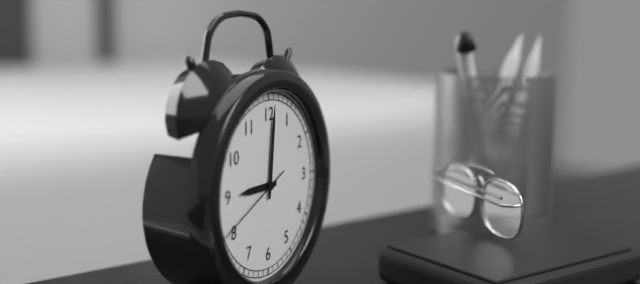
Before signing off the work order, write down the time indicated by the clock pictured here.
9:01:41
